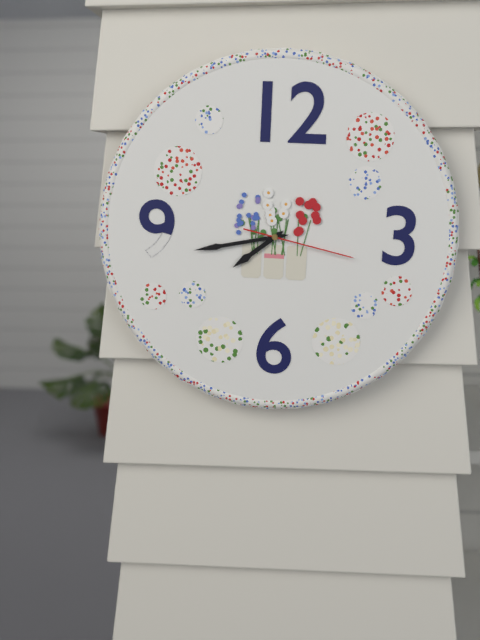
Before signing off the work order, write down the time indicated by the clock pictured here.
7:43:17
